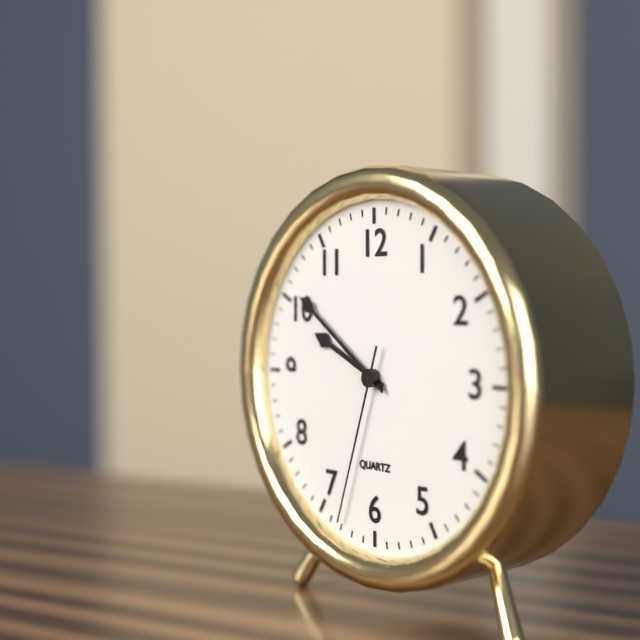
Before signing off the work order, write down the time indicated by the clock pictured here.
9:51:33
